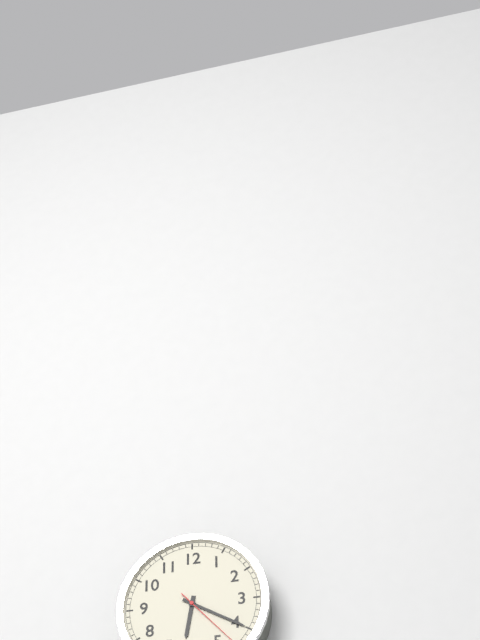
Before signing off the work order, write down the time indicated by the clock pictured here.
6:20
